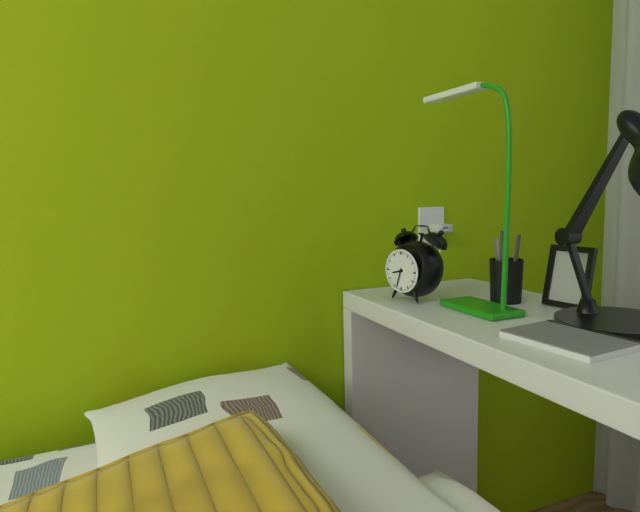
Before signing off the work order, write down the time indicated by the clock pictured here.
8:33
